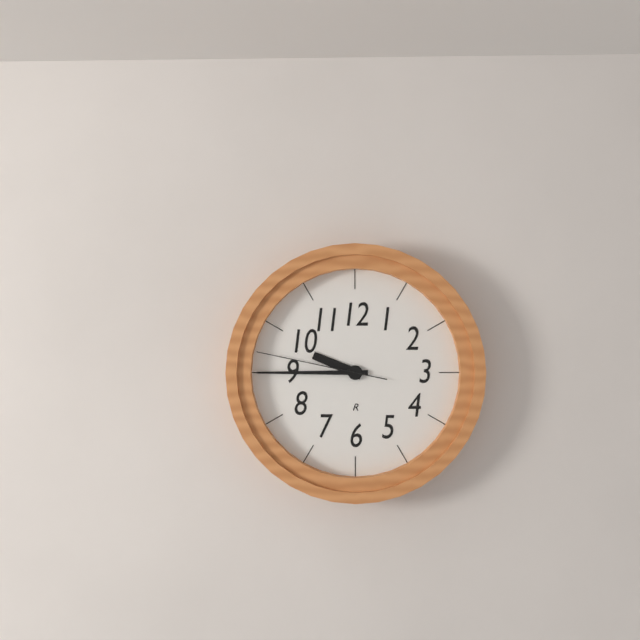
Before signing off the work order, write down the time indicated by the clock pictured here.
9:45:47
